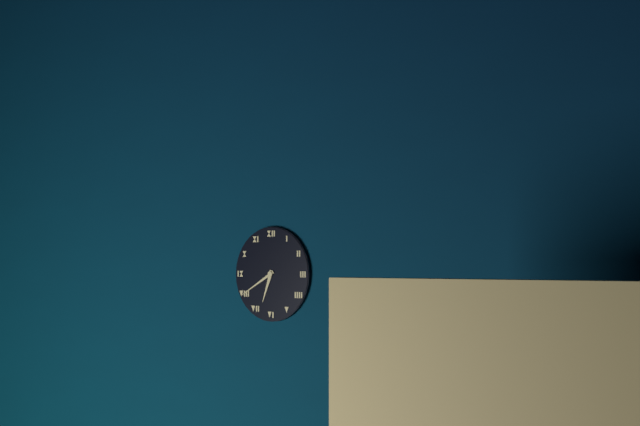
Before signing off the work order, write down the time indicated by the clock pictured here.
6:40
